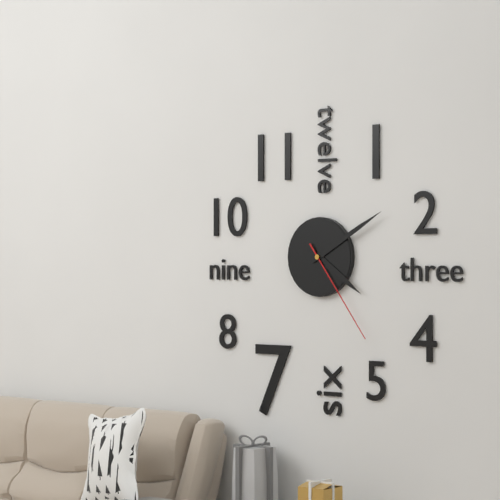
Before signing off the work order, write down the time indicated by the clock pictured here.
4:10:24
